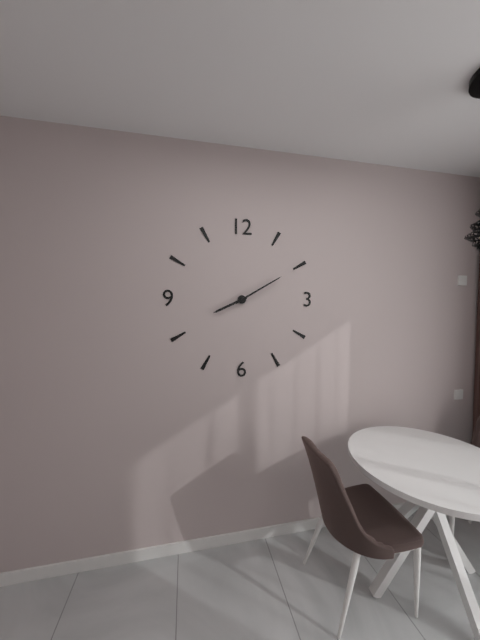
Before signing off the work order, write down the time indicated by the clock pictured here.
8:10
